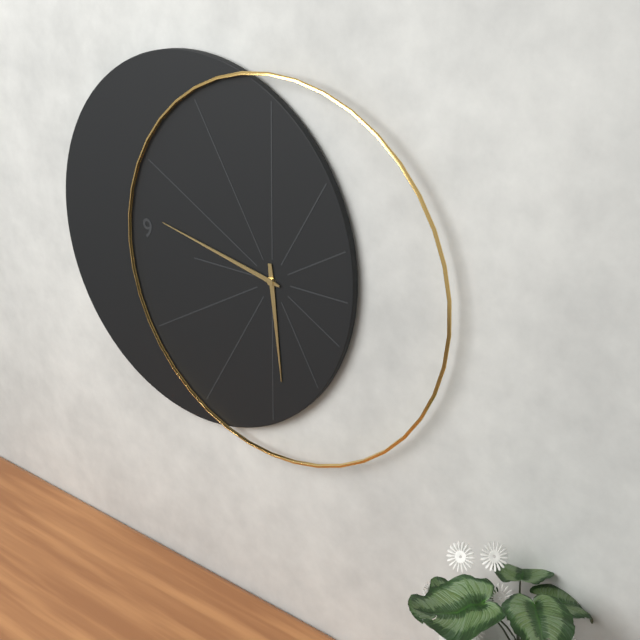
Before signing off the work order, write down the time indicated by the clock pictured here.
5:47
